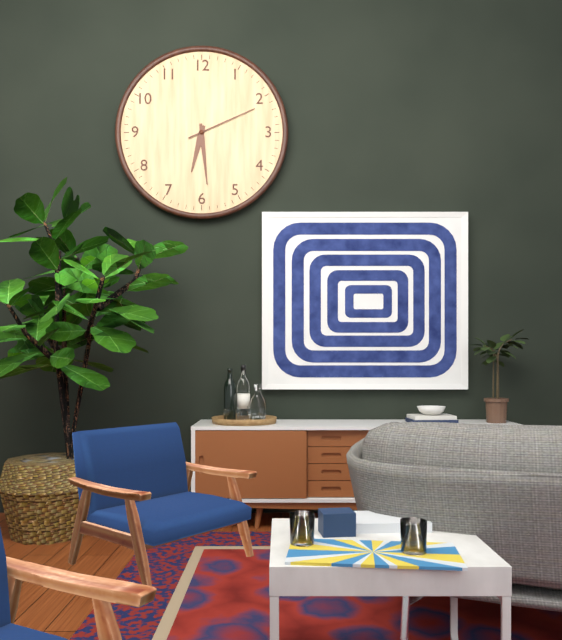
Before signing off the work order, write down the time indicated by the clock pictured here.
6:29:11
